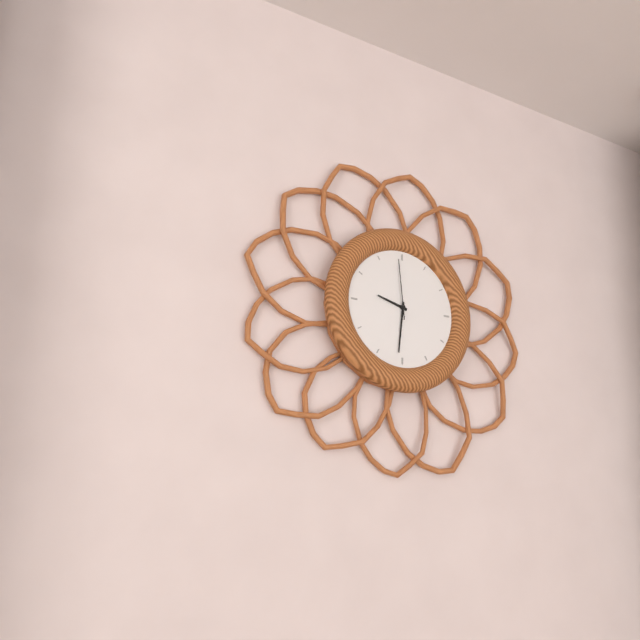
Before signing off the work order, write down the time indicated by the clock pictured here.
9:31:59
